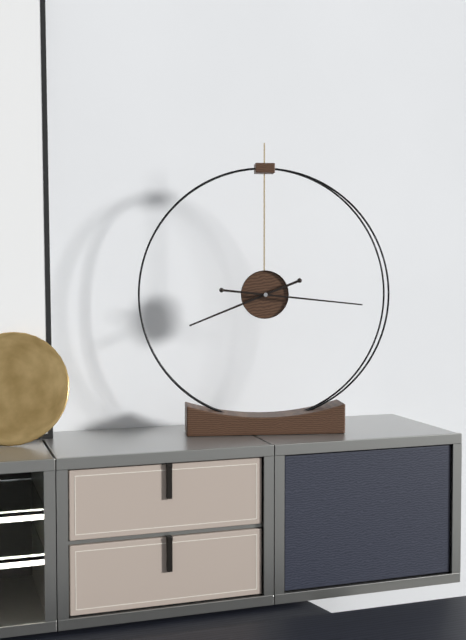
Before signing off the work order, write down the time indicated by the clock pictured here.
8:16
